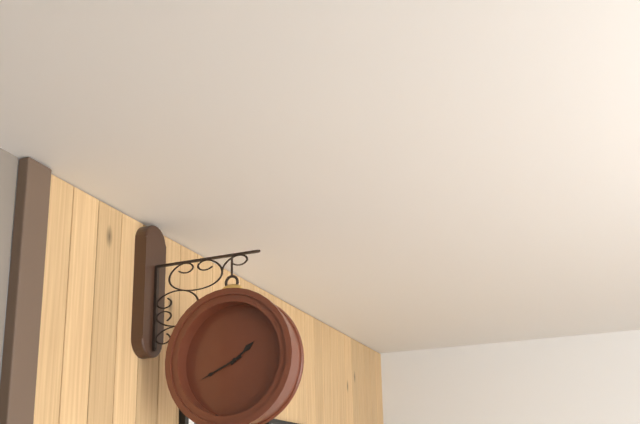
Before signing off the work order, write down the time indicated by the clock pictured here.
1:41
